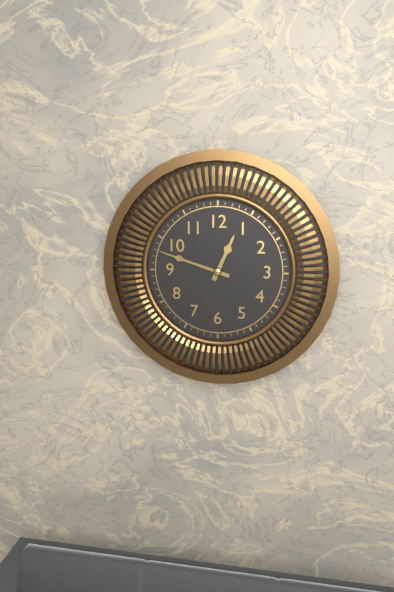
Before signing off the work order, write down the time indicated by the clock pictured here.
12:48
